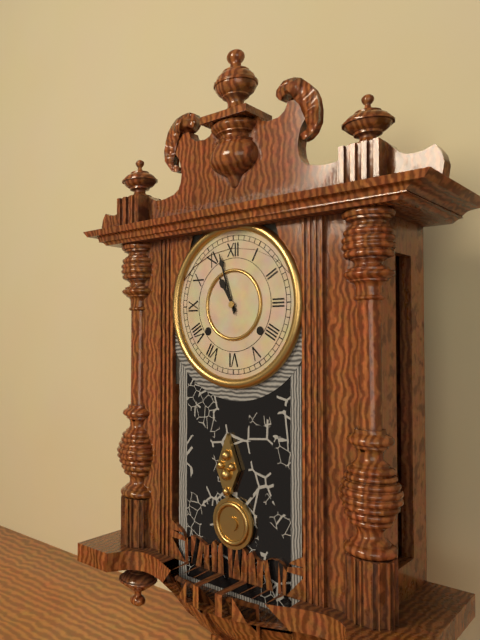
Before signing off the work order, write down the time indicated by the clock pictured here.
10:57
